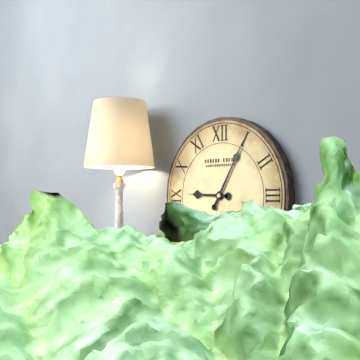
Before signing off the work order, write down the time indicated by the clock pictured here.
9:05
